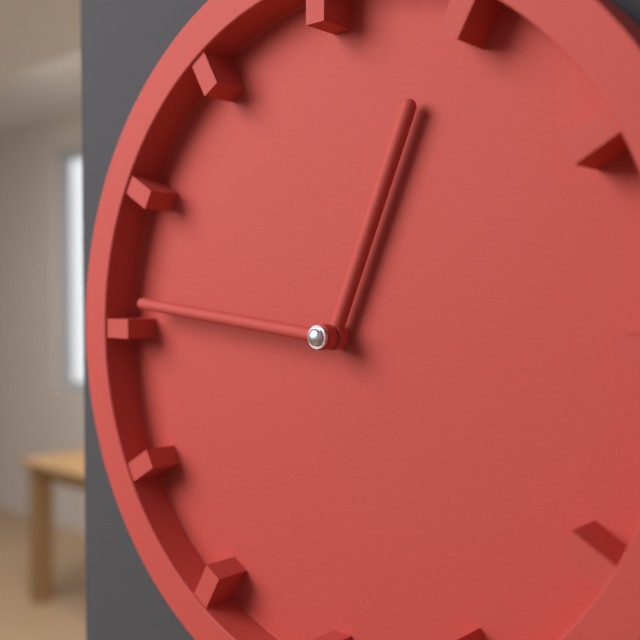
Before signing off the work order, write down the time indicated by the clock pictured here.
12:46
